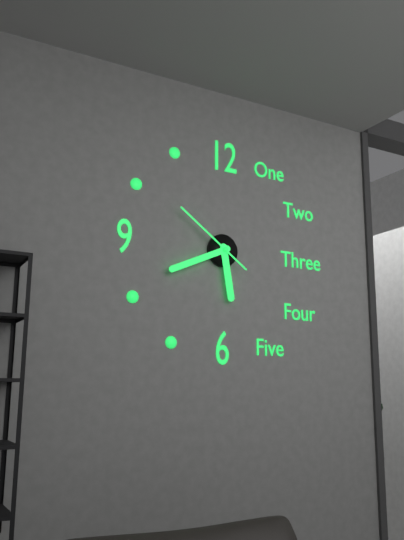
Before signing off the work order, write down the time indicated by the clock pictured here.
5:41:51
